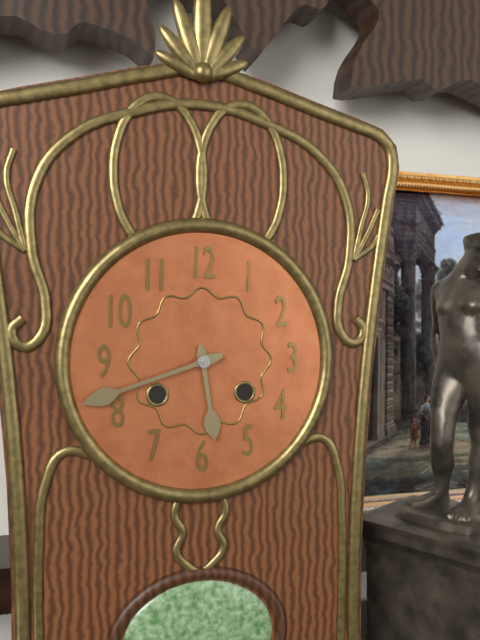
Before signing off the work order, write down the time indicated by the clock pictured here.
5:42
